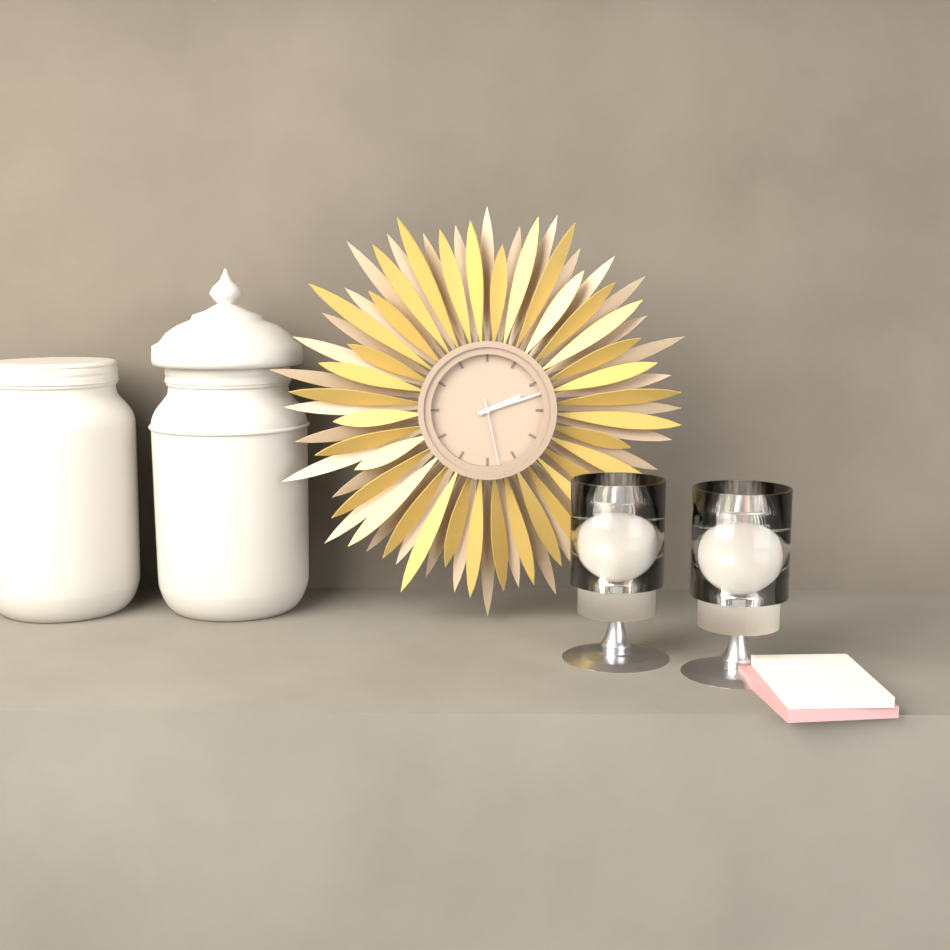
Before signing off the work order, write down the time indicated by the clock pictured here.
2:12:28
